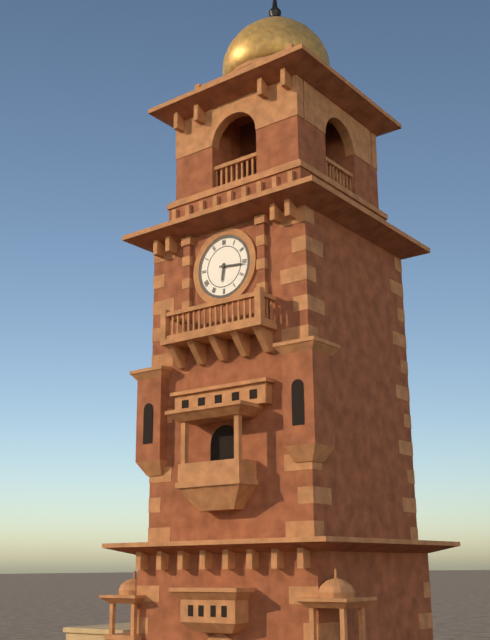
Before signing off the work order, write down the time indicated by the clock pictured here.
6:16
